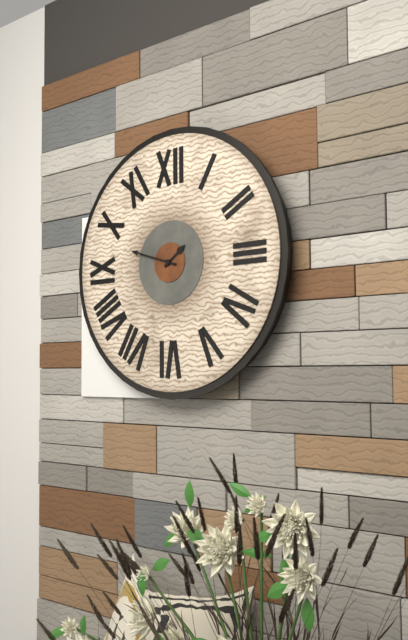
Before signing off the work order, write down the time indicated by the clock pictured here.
1:48
